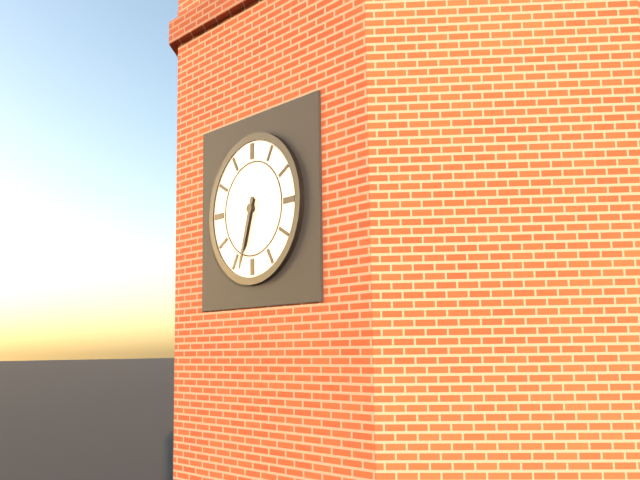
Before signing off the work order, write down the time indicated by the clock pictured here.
6:33
